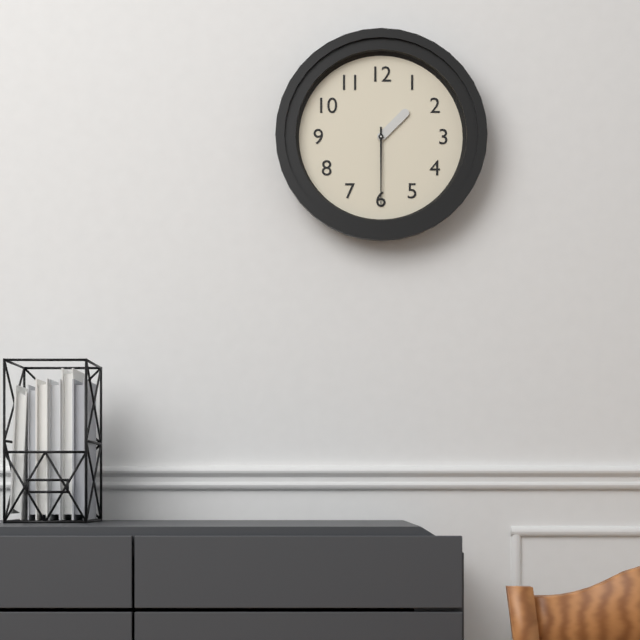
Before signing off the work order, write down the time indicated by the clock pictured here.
1:30
